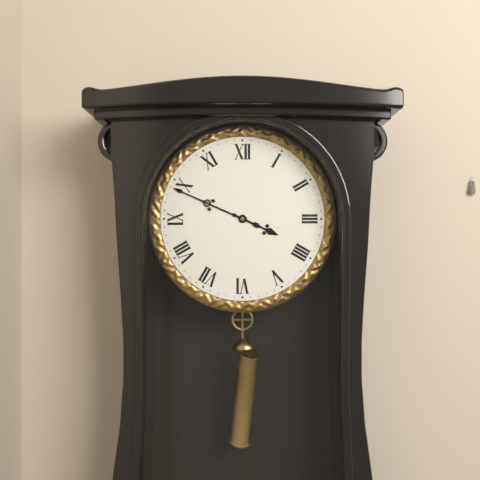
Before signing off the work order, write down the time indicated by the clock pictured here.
3:49
